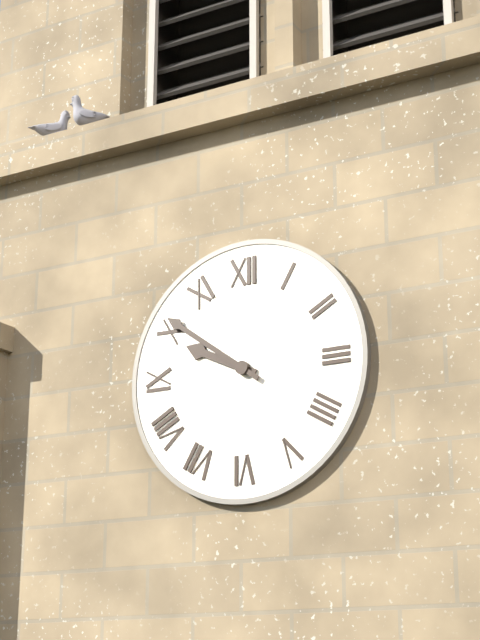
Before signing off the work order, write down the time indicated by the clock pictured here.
9:51
